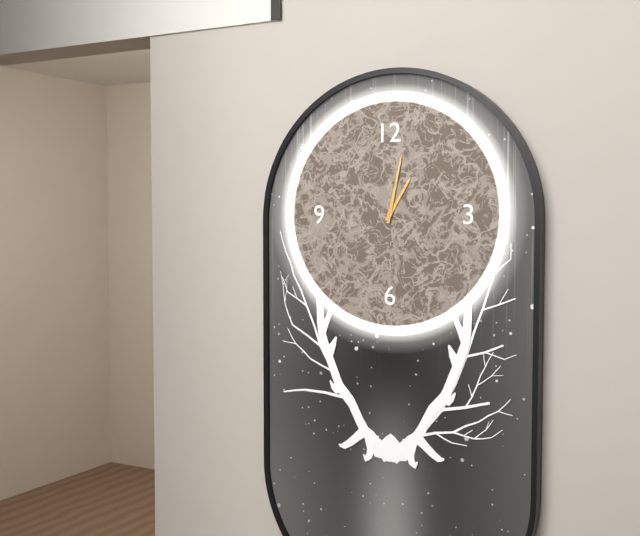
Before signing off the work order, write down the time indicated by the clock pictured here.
1:02
